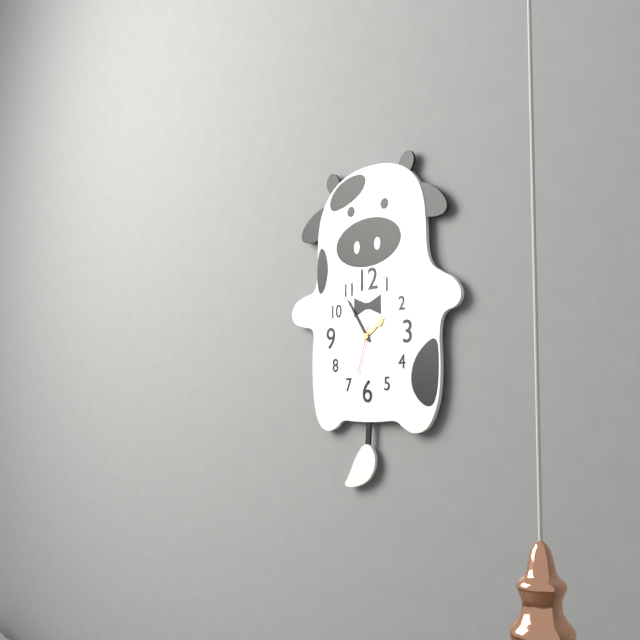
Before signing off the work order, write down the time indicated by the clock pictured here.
1:54:33
